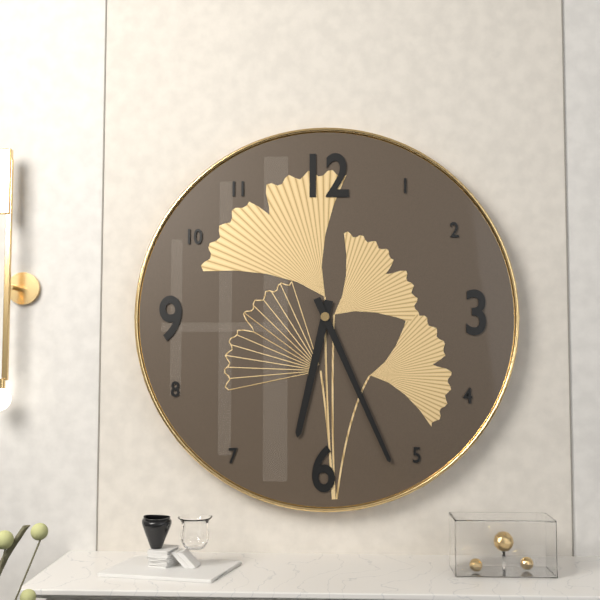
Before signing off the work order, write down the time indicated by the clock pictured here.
6:26
